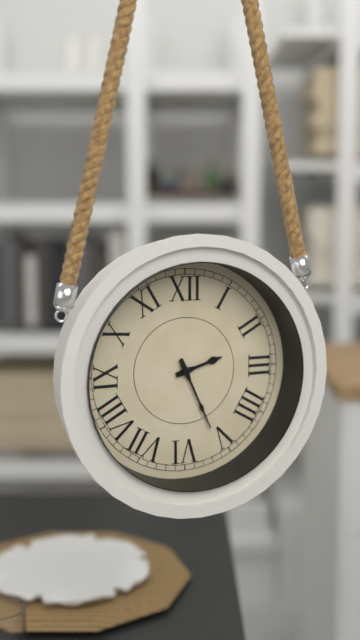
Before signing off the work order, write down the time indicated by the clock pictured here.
2:26
